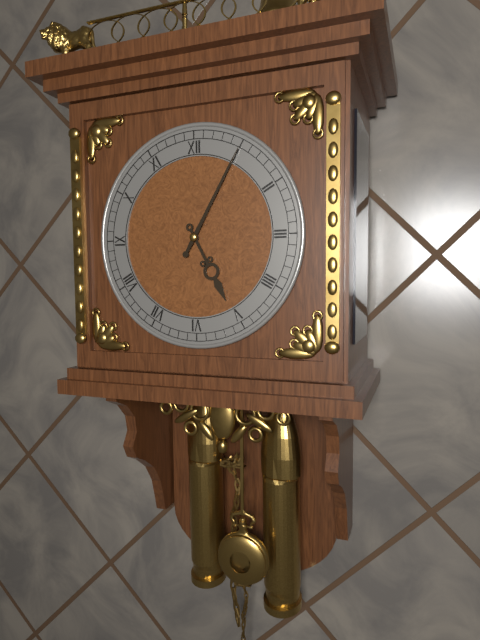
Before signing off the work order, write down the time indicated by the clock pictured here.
5:05
